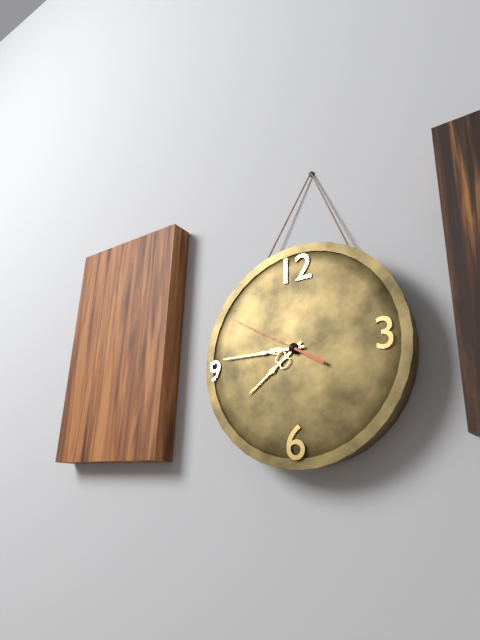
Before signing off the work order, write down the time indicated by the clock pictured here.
7:45:50
